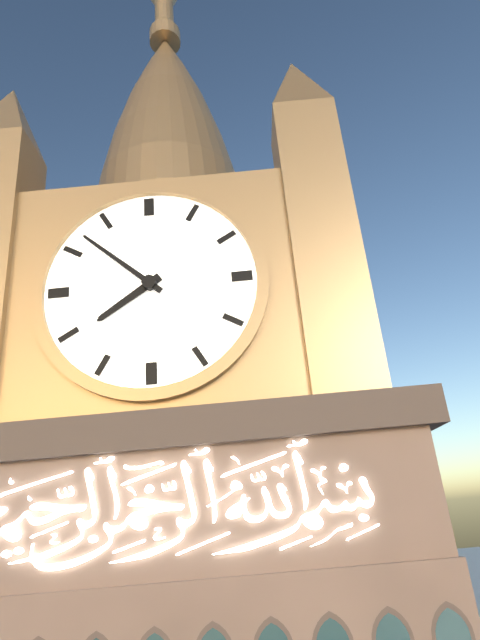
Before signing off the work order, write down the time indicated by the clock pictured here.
7:52
